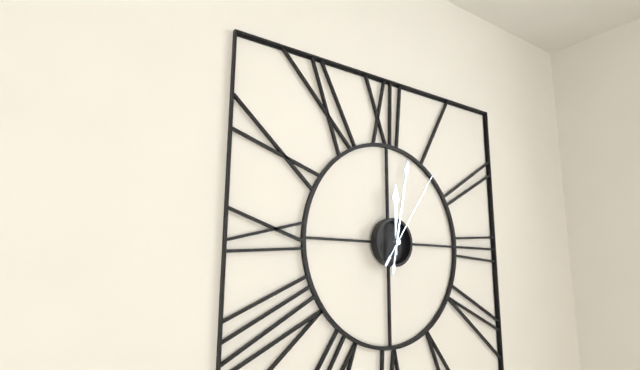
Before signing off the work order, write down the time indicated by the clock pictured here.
12:02:06
